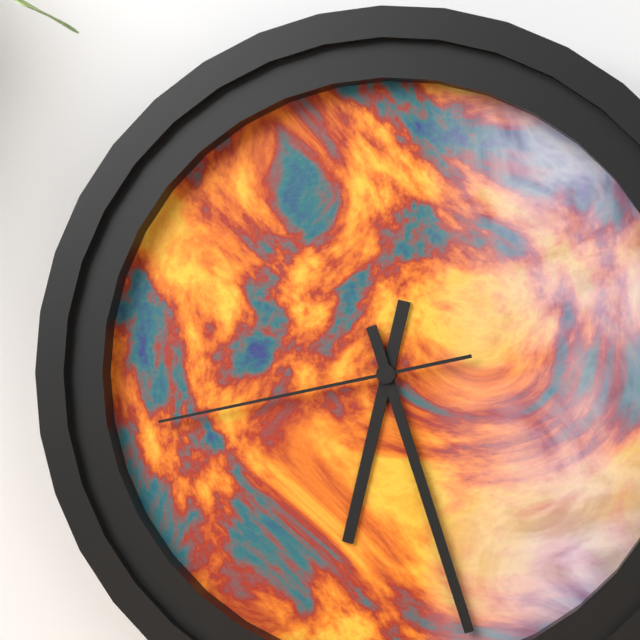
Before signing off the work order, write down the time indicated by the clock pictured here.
6:27:43
